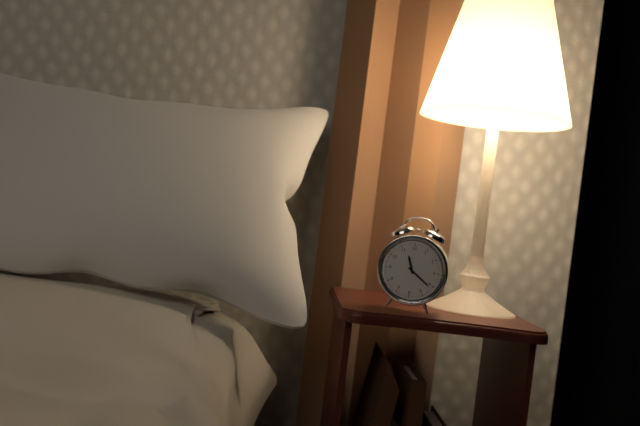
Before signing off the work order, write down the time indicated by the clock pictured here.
11:21
